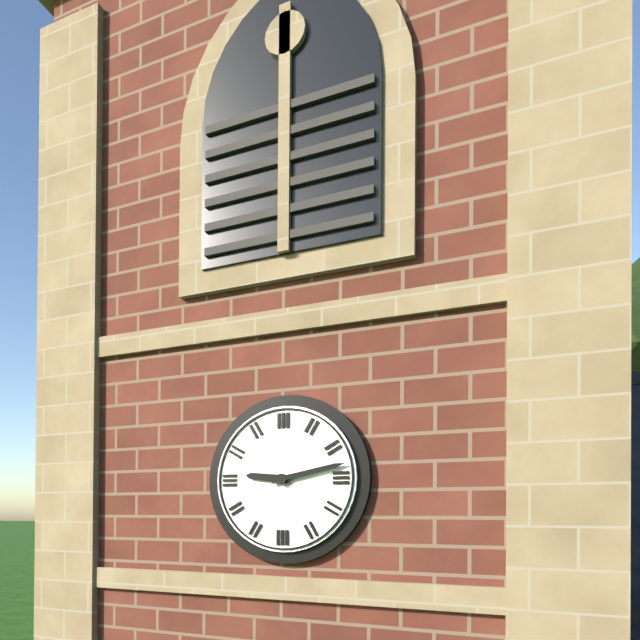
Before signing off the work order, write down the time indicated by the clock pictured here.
9:13
